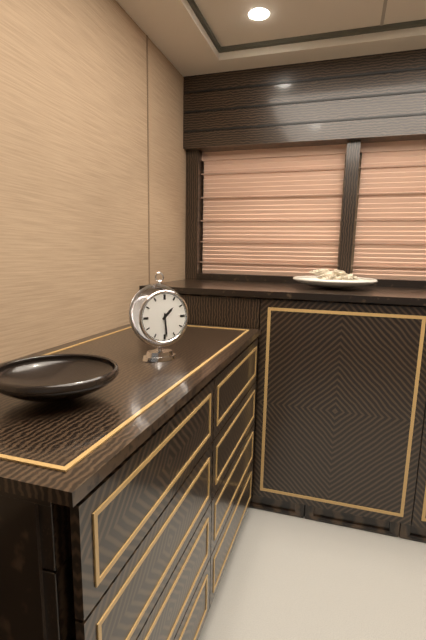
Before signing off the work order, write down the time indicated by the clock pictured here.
1:29
